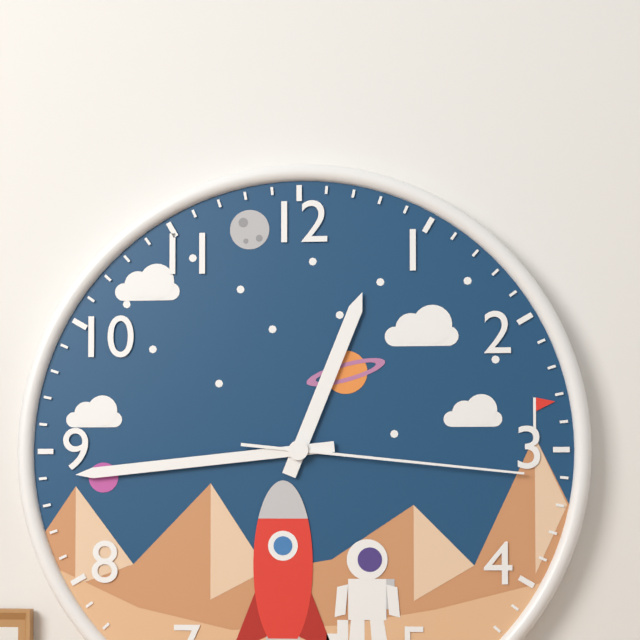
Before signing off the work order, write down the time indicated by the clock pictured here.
12:44:16
